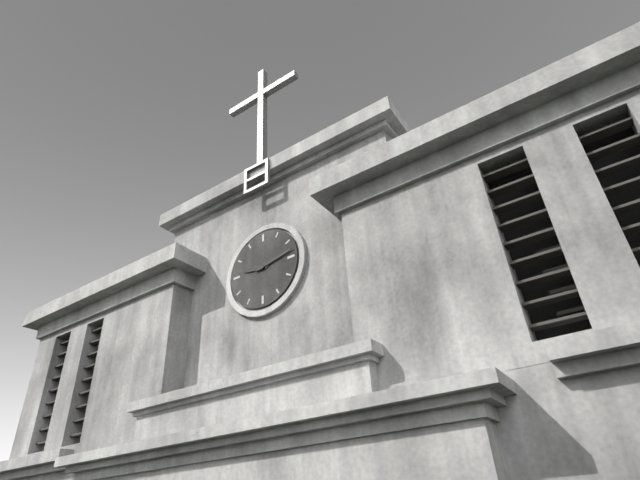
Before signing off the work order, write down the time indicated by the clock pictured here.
9:13
